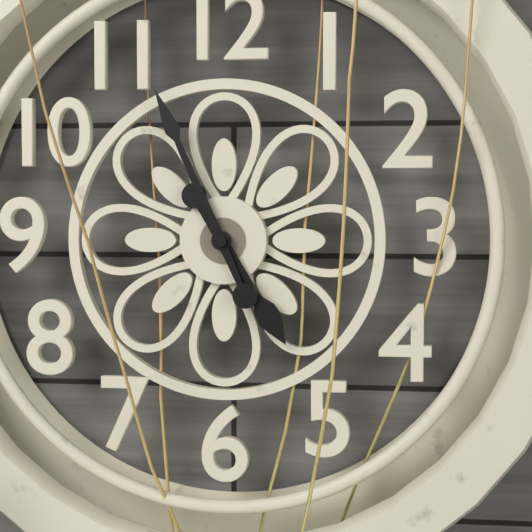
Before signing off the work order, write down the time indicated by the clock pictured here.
4:56
